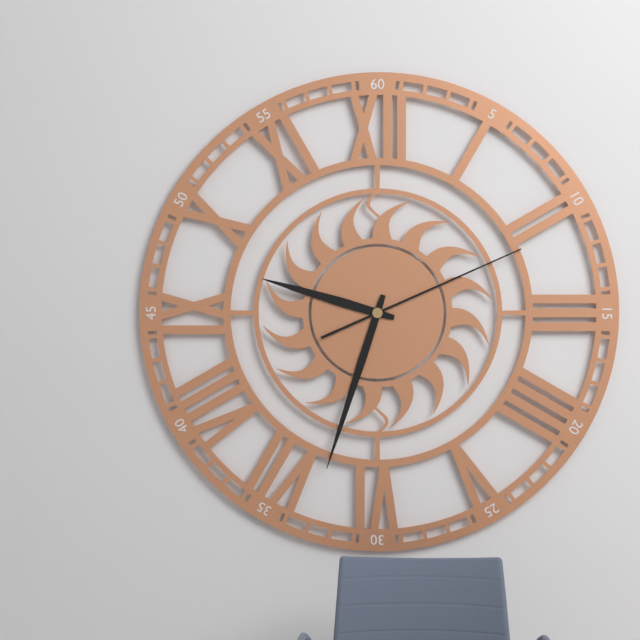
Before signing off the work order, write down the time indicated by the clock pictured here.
9:33:11
